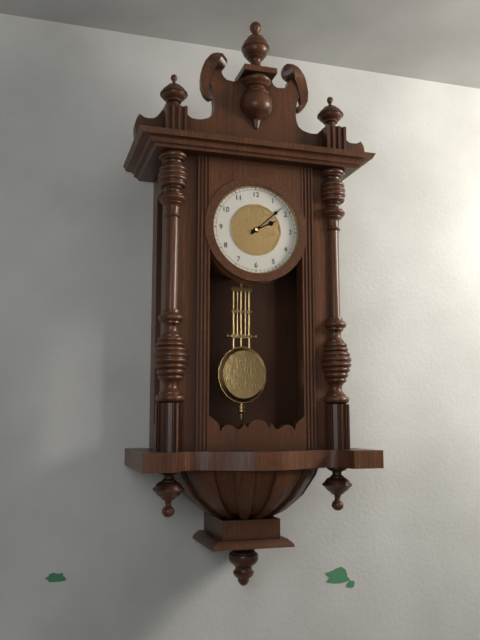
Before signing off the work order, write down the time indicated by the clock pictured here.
2:08
